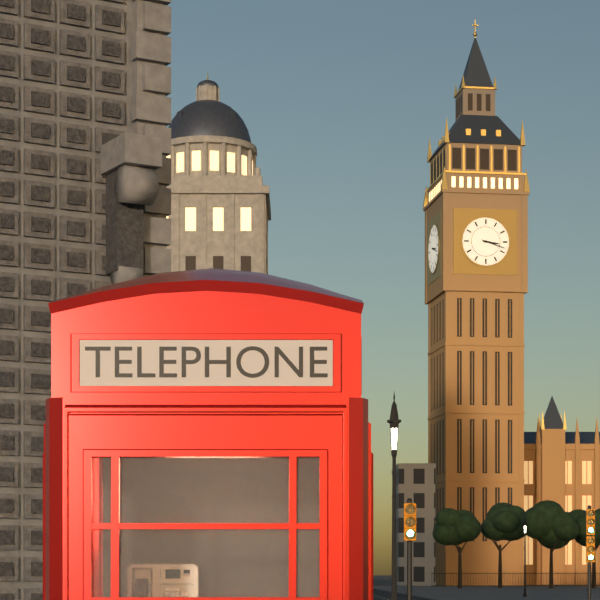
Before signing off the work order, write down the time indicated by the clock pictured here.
3:18
